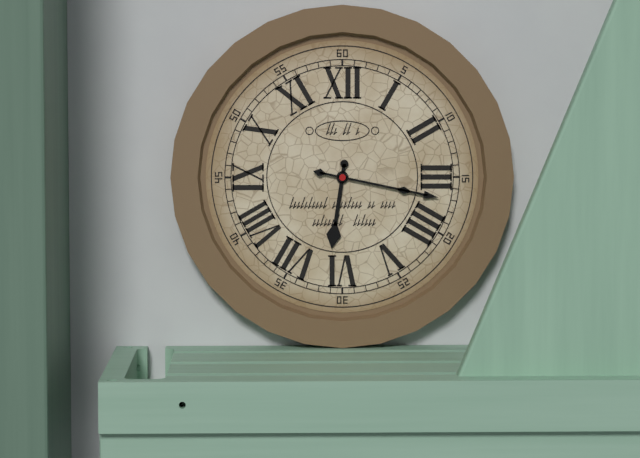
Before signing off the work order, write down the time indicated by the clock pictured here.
6:17
